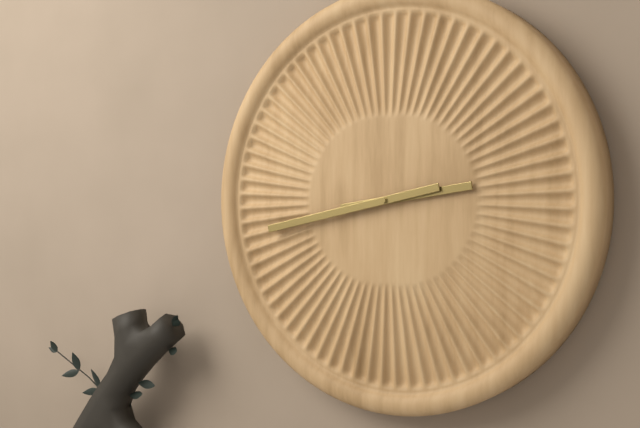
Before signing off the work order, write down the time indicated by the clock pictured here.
2:43
